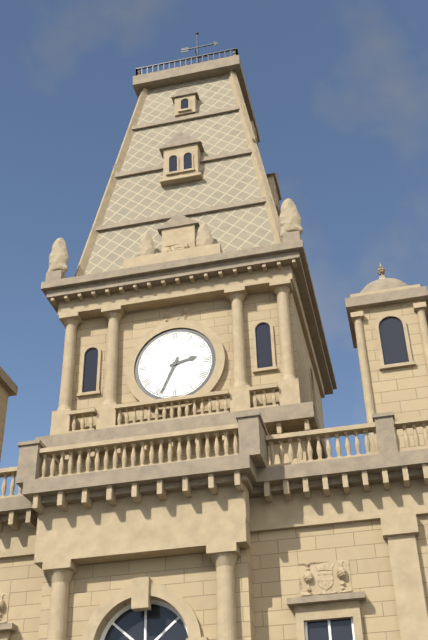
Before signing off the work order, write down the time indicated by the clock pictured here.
2:34
